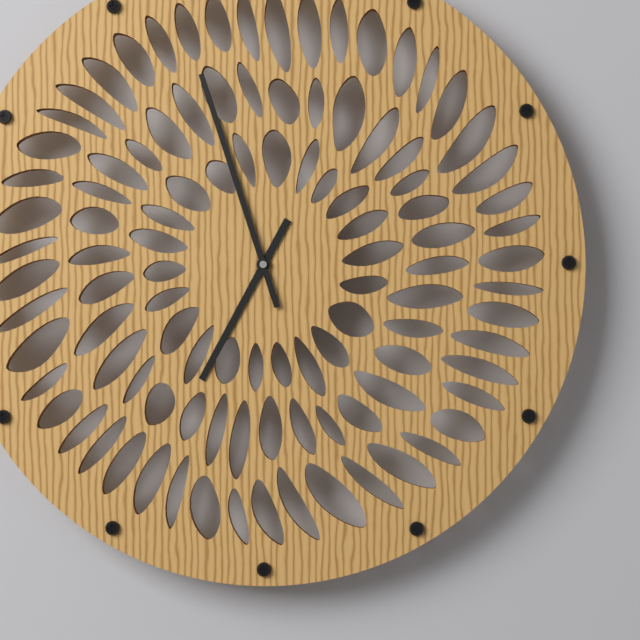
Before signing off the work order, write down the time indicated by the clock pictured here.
6:57
